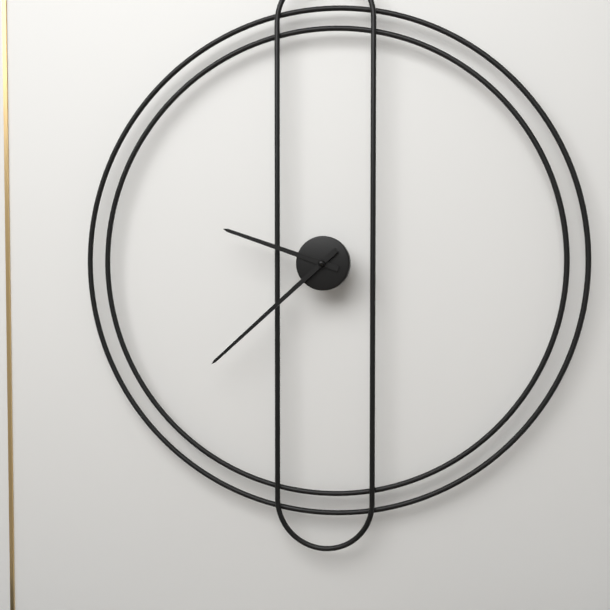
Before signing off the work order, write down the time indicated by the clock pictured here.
9:38
